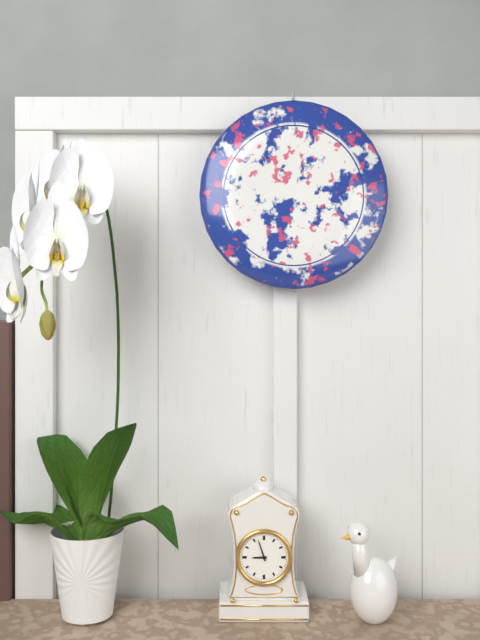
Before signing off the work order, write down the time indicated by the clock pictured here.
8:57
